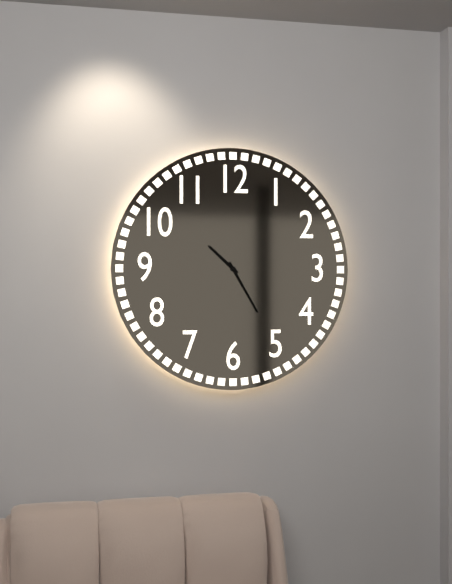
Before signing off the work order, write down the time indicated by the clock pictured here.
10:25
